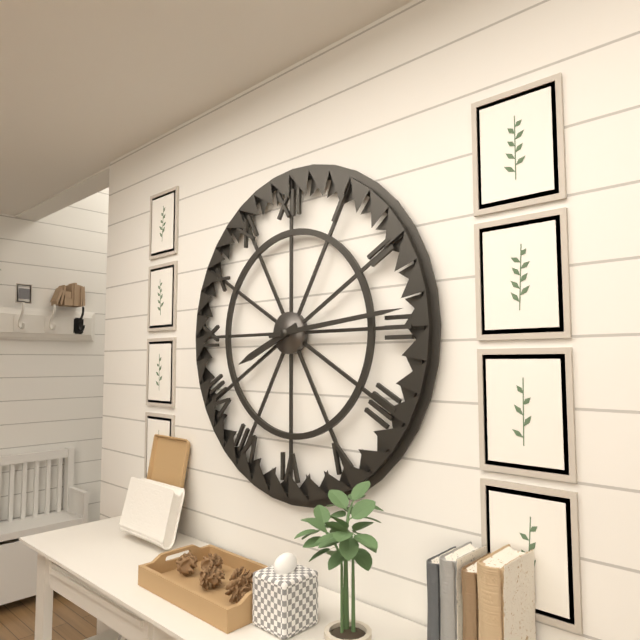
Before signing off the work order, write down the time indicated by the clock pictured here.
8:14
